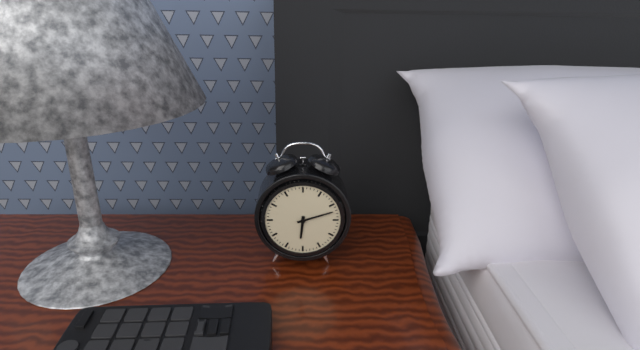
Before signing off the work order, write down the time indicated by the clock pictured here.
6:12
